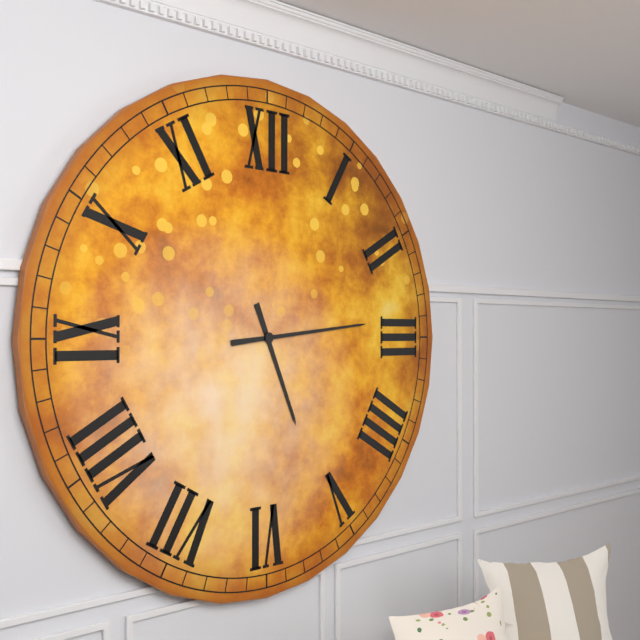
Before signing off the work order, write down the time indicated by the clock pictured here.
5:14
